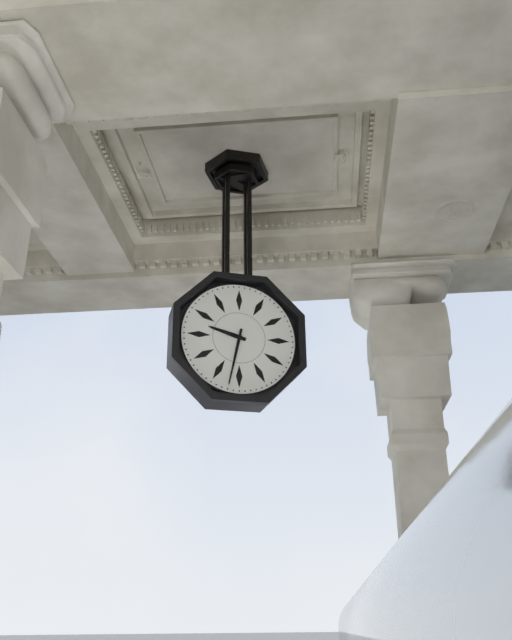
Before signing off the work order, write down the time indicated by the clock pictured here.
9:32
